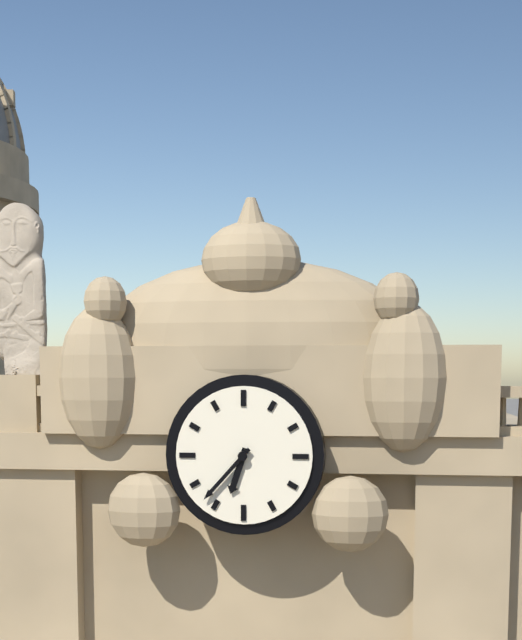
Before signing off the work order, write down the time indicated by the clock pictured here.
6:37
